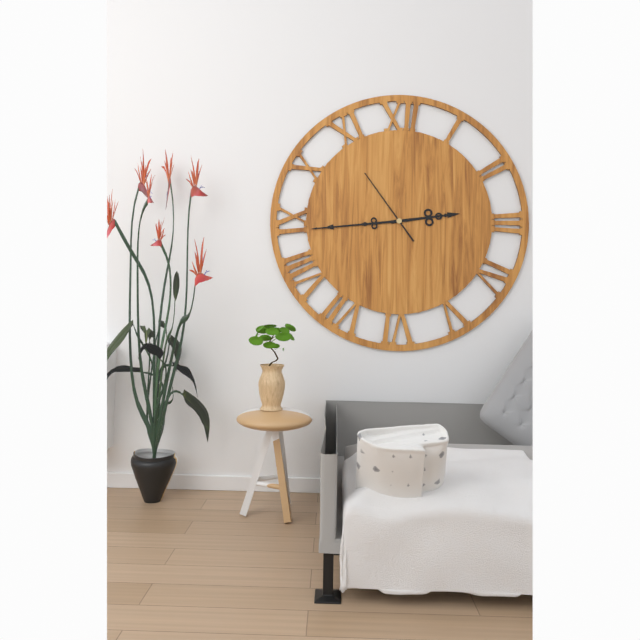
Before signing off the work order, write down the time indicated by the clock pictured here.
2:44:54
